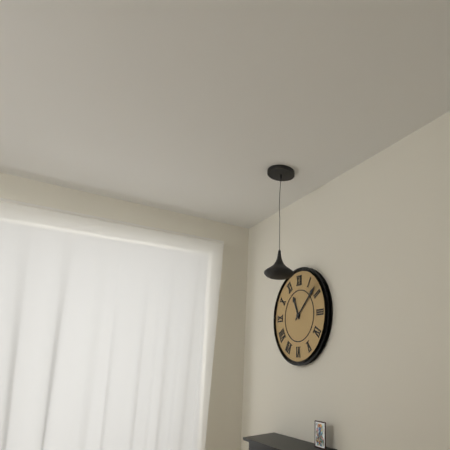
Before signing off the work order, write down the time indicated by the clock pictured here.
11:08
